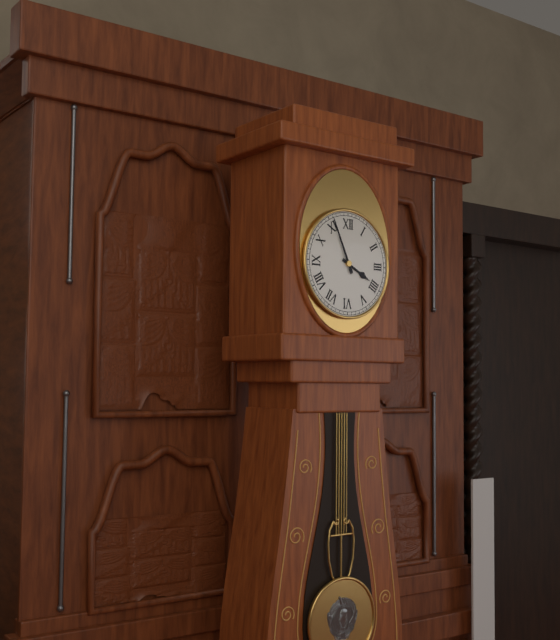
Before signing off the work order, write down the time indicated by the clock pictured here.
3:56
